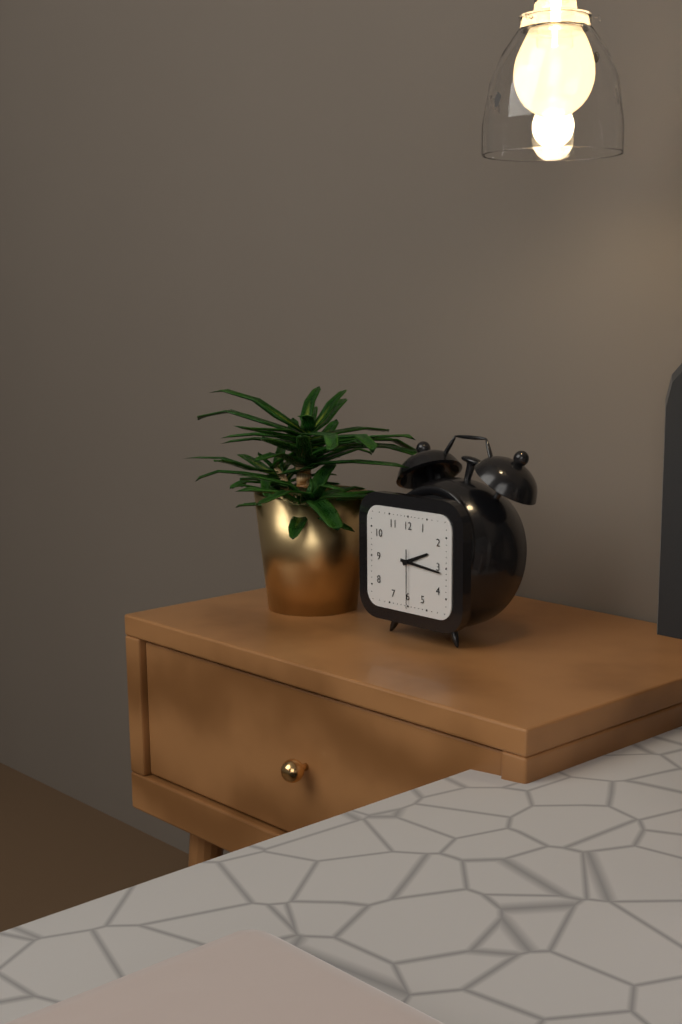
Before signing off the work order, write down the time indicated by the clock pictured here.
2:16:30
